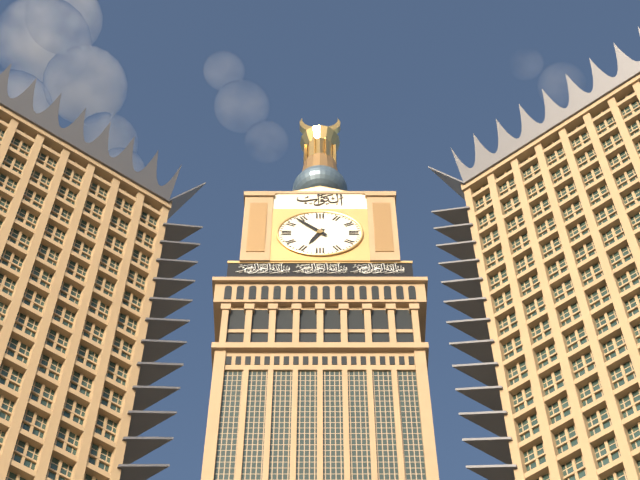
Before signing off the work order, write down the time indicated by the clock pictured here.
6:53
